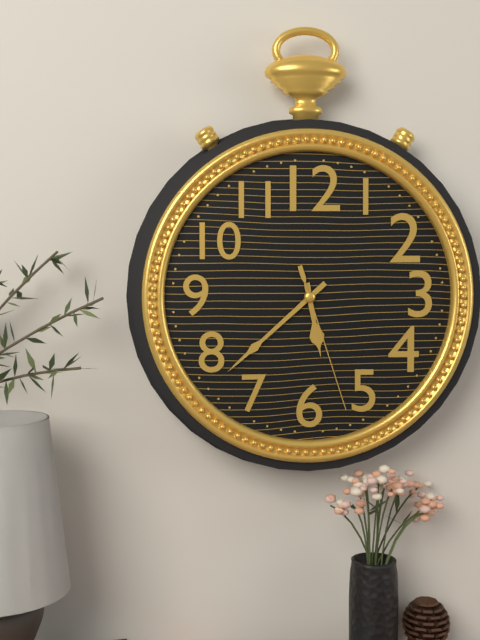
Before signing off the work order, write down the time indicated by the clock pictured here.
5:38:27
